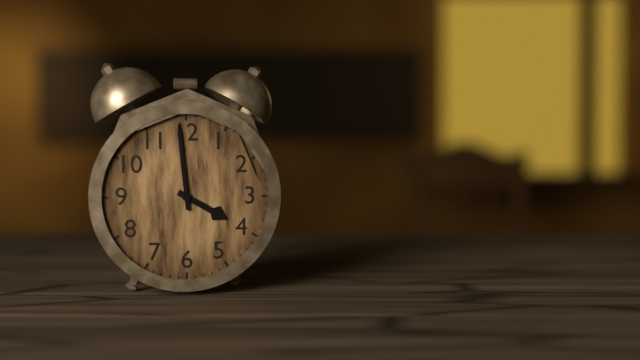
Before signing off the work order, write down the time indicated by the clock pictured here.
3:59
